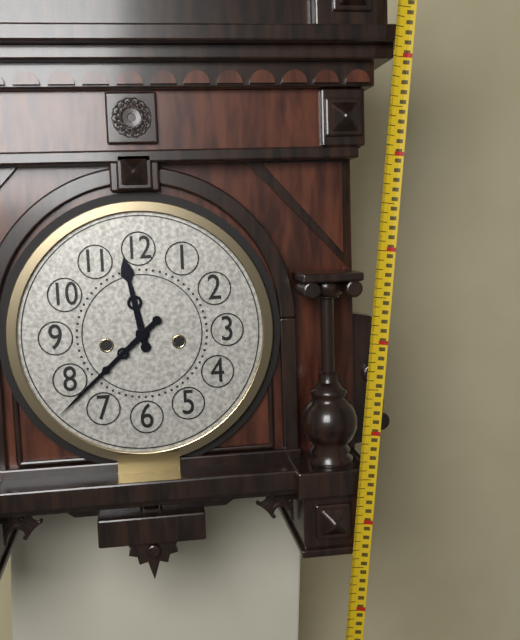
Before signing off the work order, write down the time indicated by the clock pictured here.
11:38
